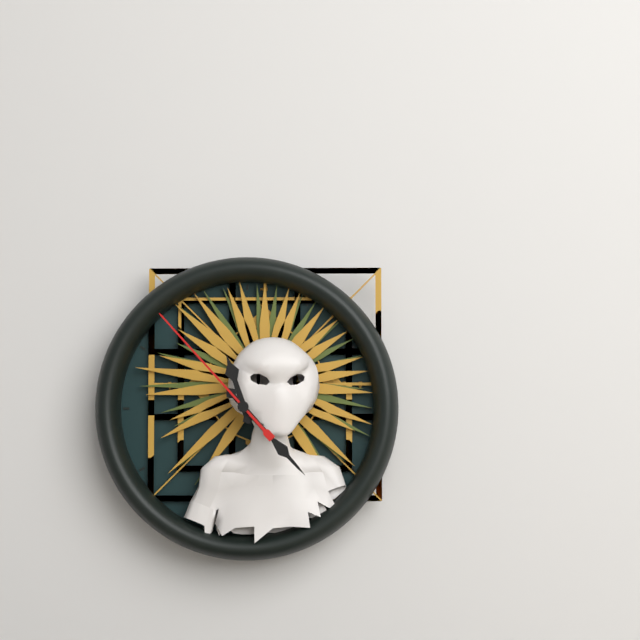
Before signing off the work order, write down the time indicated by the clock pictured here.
11:23:53
